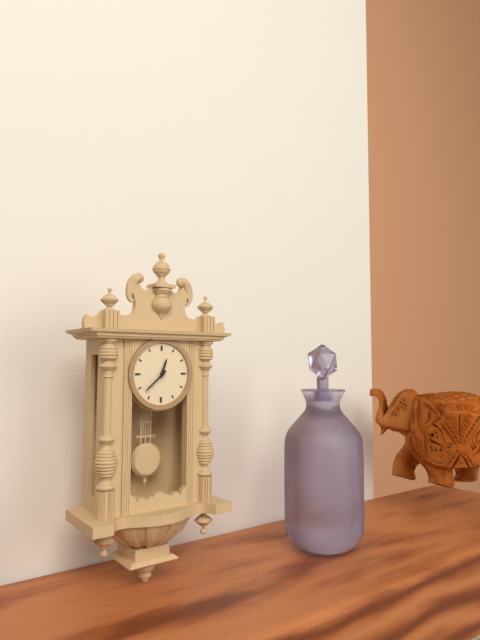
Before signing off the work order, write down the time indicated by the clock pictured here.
12:38
